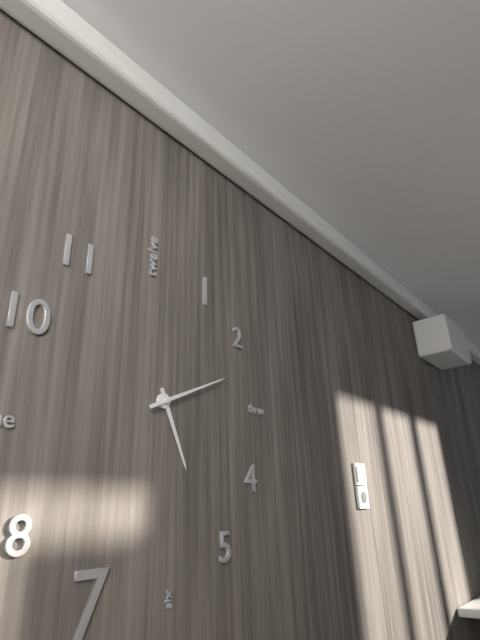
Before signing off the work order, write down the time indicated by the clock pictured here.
5:11
